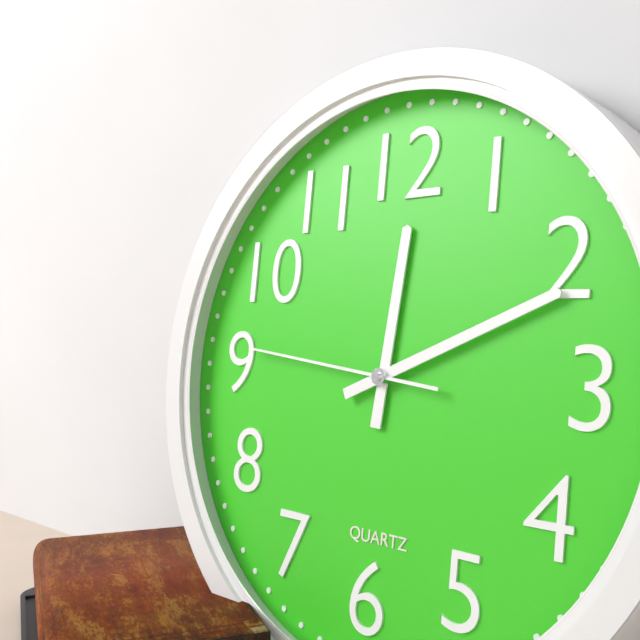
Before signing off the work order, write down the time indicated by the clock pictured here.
12:11:46
